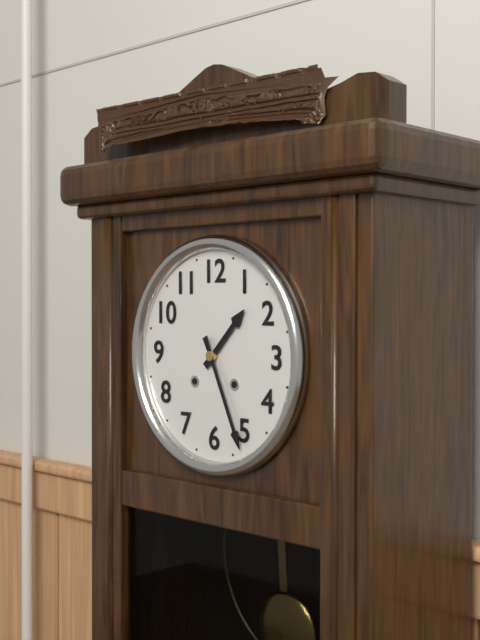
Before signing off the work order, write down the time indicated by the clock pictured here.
1:26
